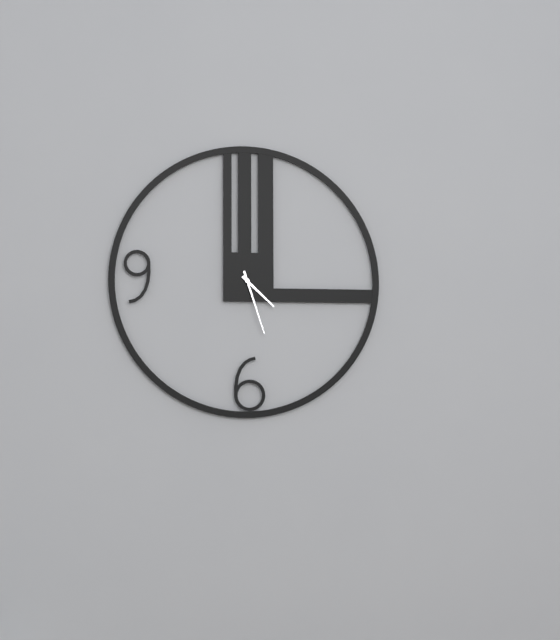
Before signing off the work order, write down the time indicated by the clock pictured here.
4:27
